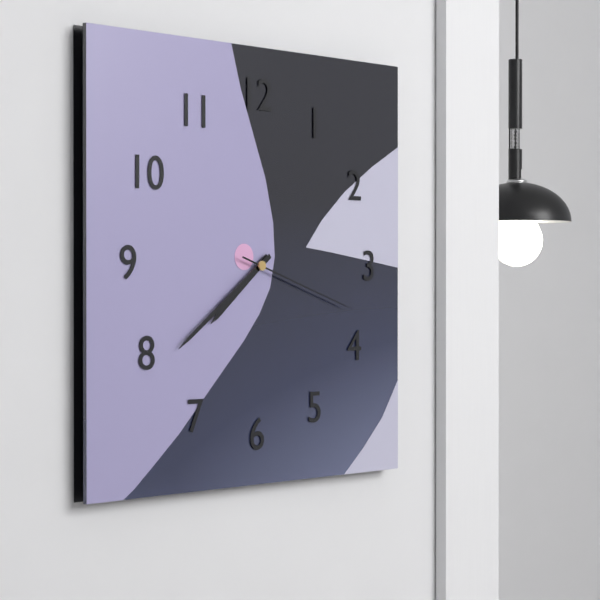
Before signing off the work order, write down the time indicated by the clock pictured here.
7:39:18
